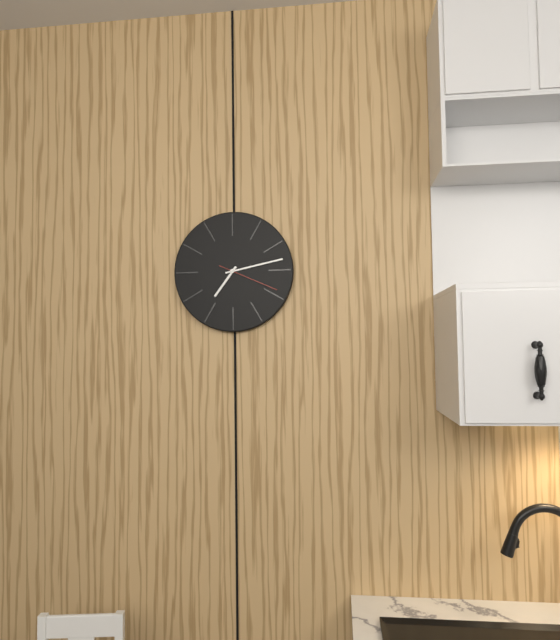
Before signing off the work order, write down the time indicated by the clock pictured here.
7:13:19
